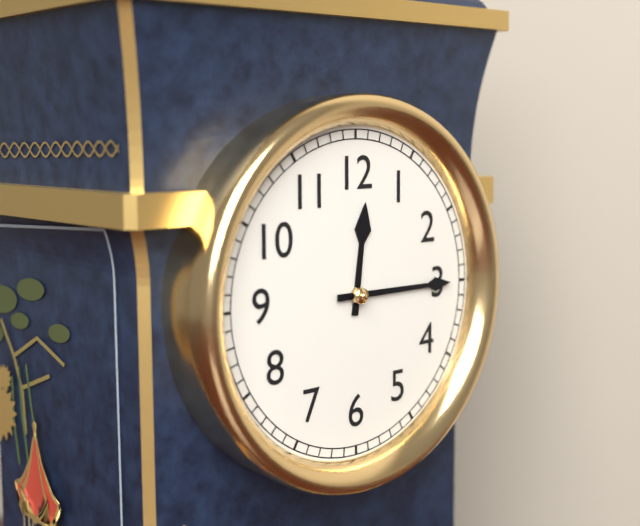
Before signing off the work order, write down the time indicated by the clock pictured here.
12:15
